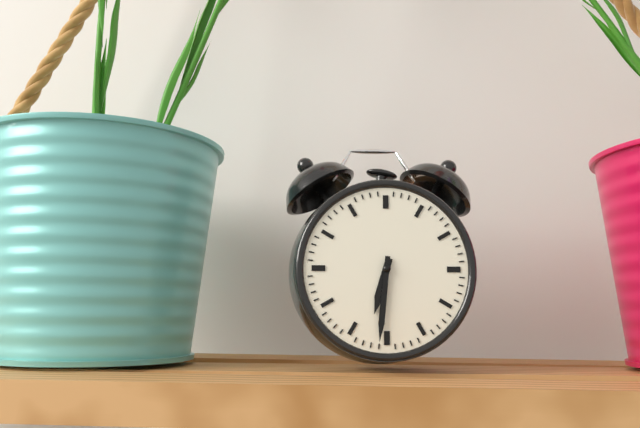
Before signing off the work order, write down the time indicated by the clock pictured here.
6:31
